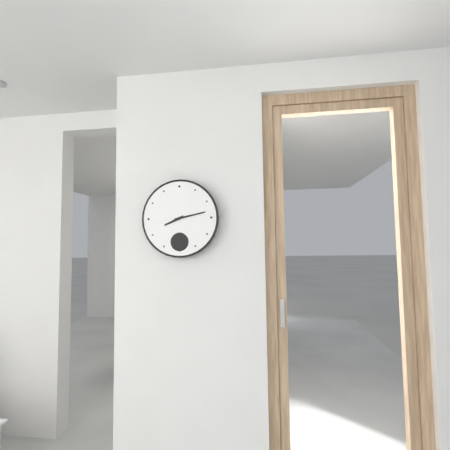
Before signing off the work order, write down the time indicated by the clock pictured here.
8:13
